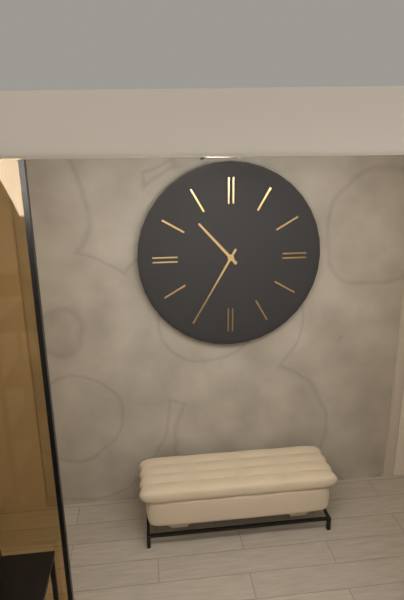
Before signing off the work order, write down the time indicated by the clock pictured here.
10:35
